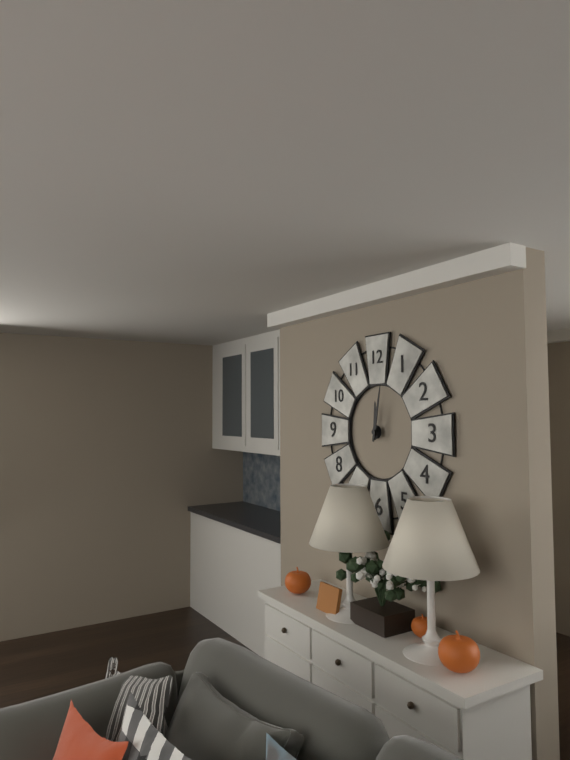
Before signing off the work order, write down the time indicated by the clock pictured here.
12:02
